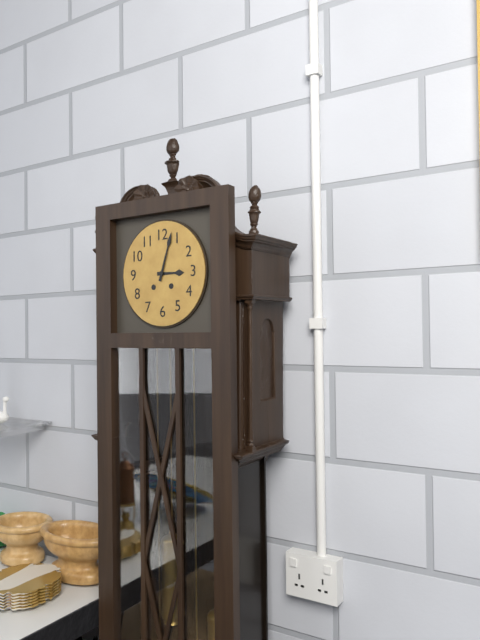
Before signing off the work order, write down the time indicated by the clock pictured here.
3:03
